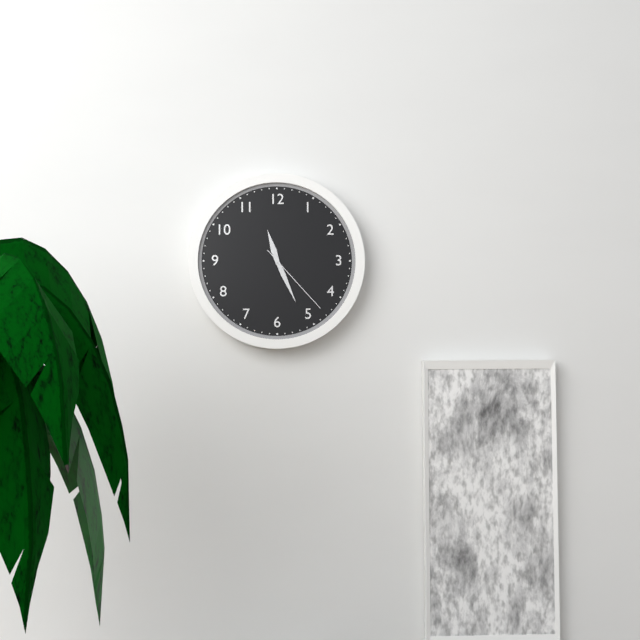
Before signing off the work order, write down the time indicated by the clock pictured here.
11:26:23
